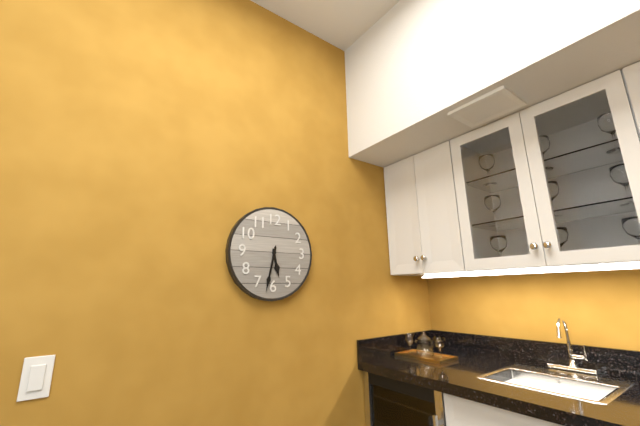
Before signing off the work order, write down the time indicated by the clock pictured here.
5:32
